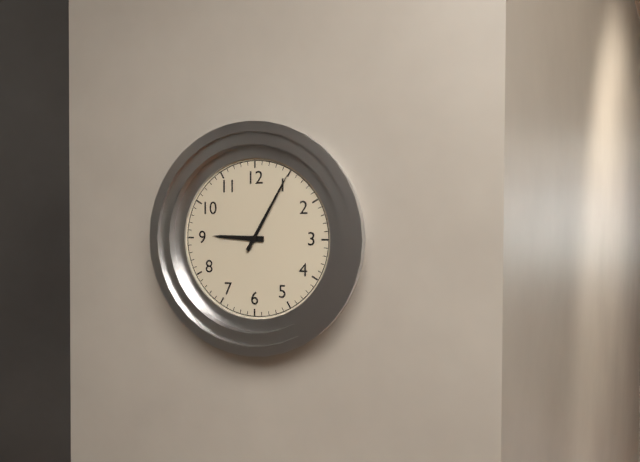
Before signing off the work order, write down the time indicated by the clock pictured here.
9:05
